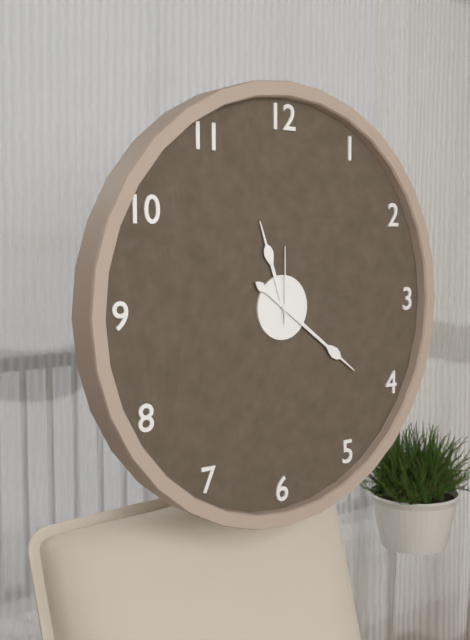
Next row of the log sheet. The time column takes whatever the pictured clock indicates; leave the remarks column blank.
11:21:00
